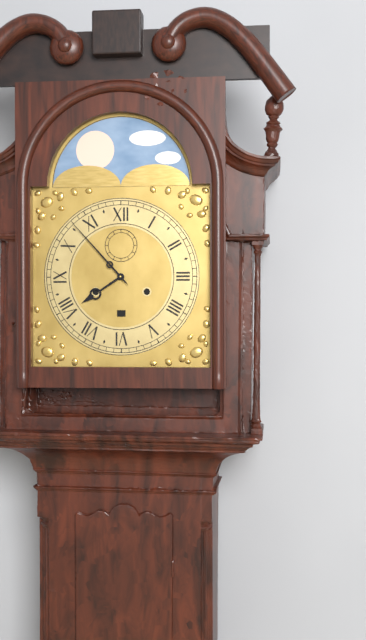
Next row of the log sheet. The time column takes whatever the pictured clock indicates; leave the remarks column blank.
7:53
